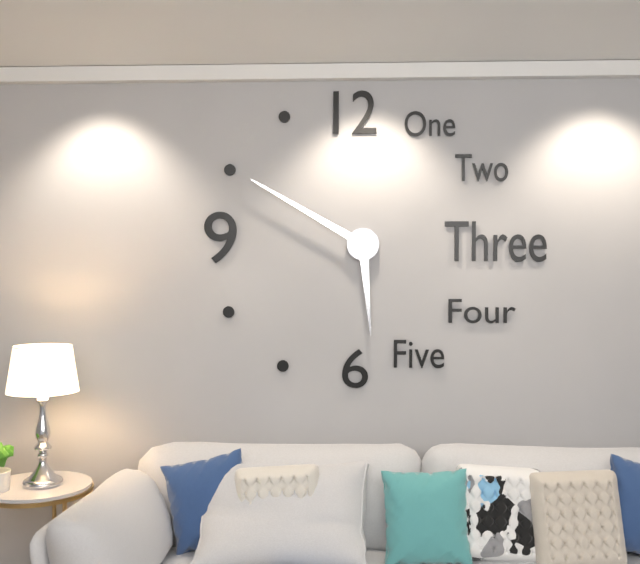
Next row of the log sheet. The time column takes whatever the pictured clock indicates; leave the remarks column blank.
5:50
